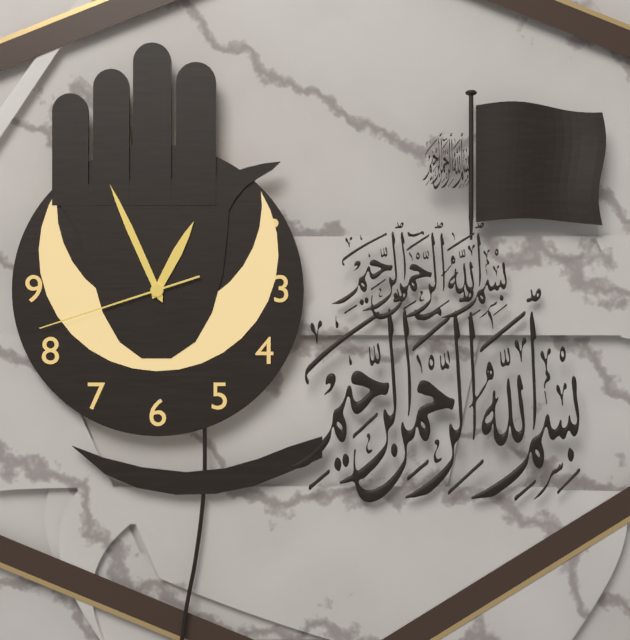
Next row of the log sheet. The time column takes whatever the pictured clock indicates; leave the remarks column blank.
12:56:42
